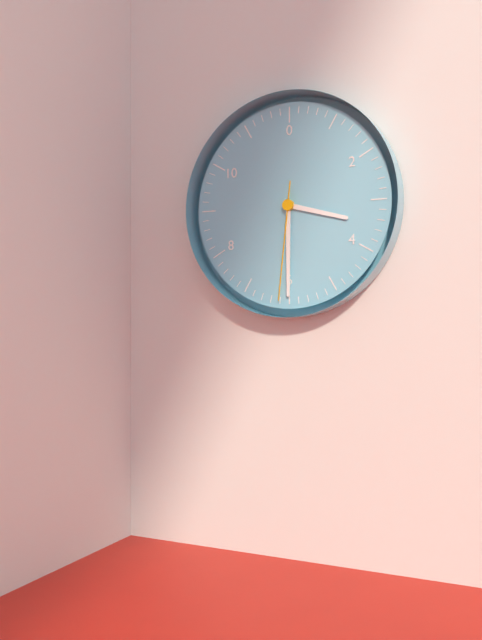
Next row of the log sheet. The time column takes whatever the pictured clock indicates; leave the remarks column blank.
3:30:31
